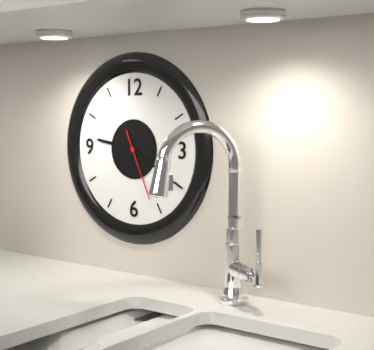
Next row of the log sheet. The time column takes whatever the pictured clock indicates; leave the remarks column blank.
9:20:26
